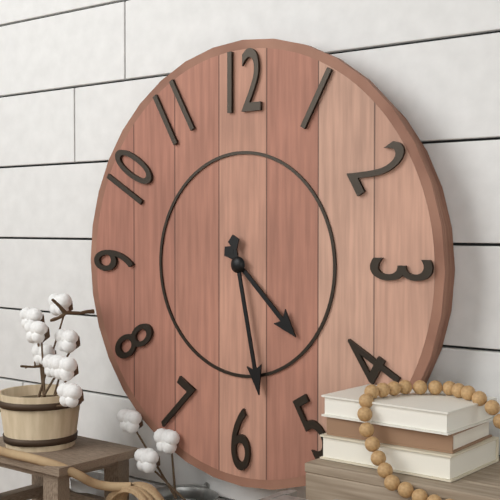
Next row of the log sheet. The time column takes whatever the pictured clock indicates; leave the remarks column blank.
4:28
